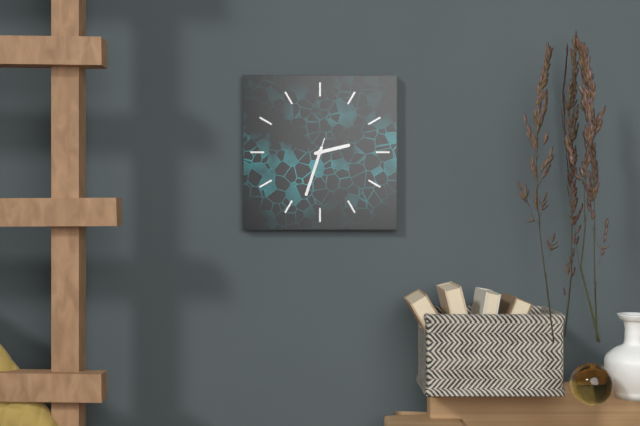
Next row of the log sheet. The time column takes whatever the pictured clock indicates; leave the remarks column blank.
2:33:33
